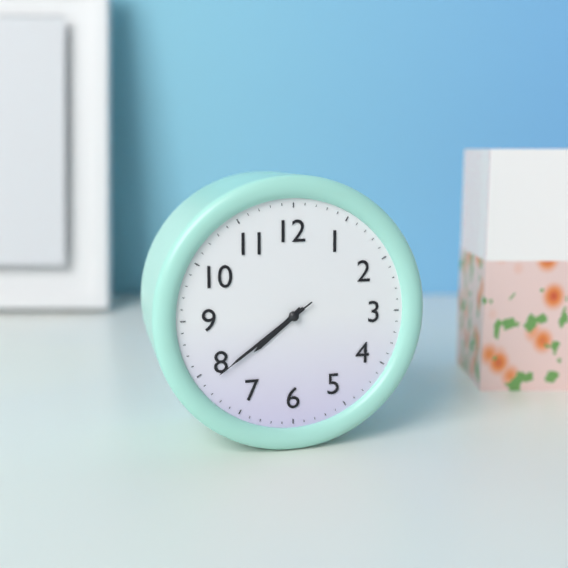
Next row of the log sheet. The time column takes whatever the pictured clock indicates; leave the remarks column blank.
7:39:39
